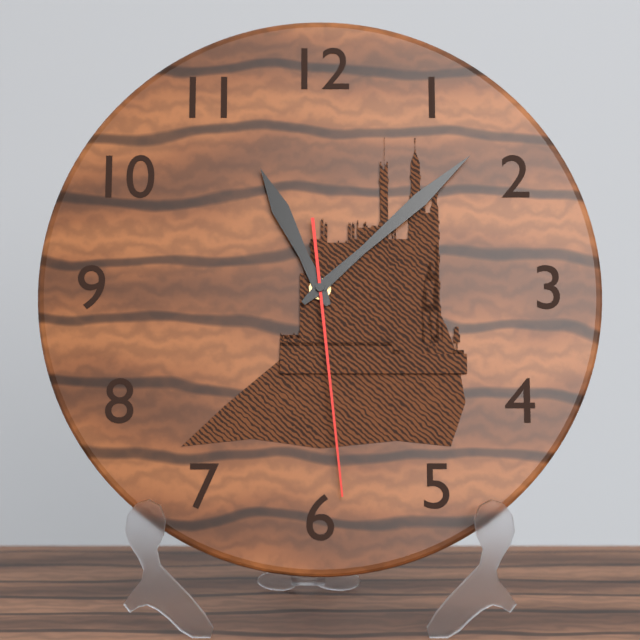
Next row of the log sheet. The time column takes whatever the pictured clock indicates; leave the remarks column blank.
11:08:29
